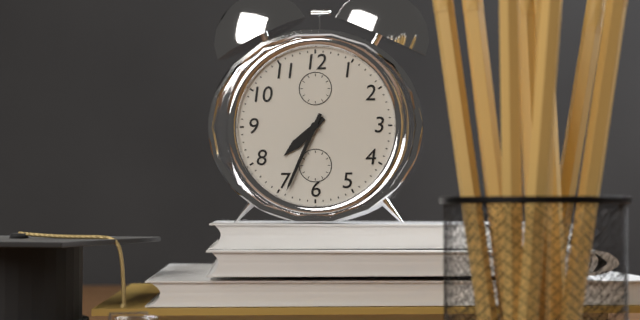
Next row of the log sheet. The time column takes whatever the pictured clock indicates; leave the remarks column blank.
7:34
